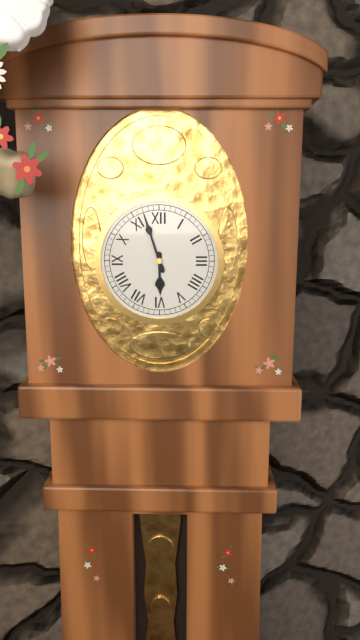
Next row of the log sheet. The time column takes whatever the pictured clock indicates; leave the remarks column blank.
5:57
